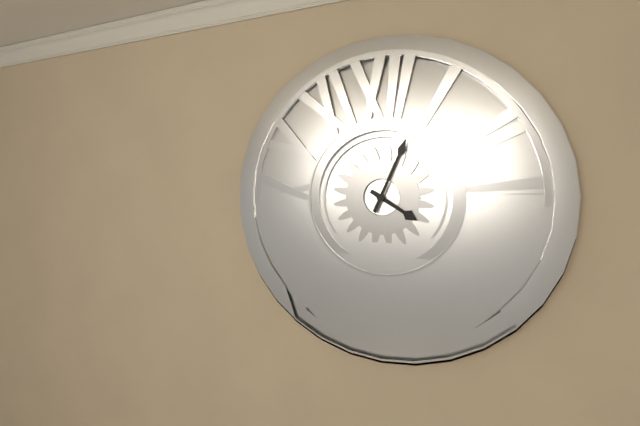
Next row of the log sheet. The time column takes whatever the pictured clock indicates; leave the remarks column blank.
4:04
